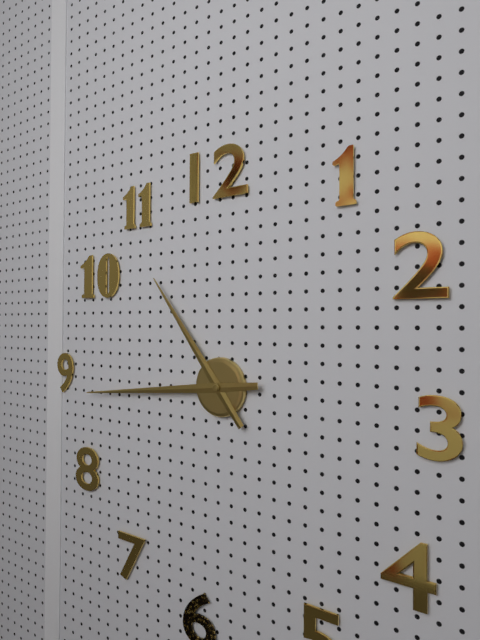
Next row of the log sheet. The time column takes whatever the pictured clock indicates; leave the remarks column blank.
10:44
